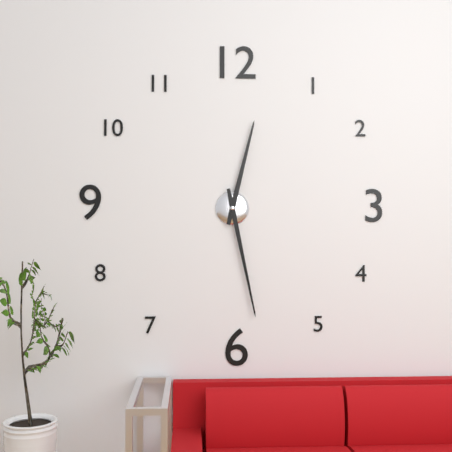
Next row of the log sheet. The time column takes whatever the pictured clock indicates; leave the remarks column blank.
12:28
